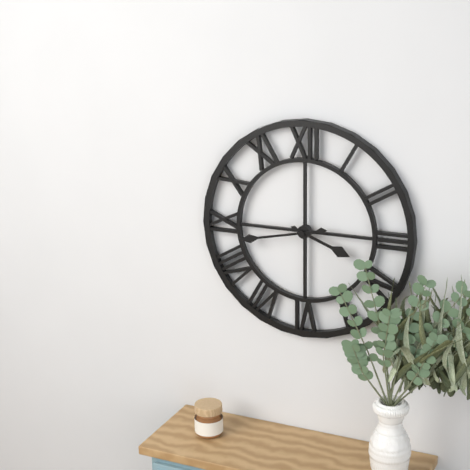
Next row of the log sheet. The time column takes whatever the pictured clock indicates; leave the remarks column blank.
3:43
